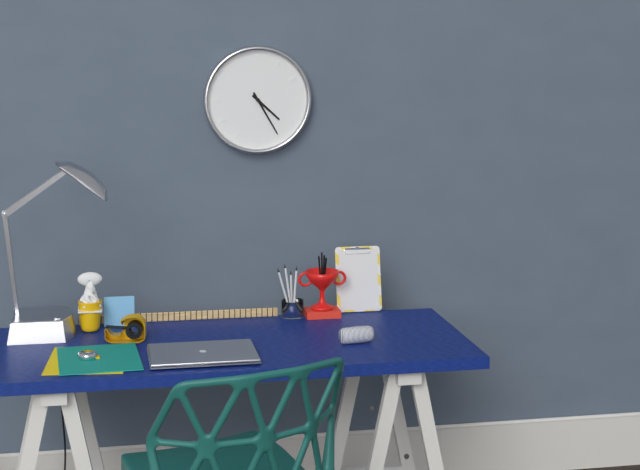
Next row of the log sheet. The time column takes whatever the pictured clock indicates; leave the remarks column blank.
4:25
